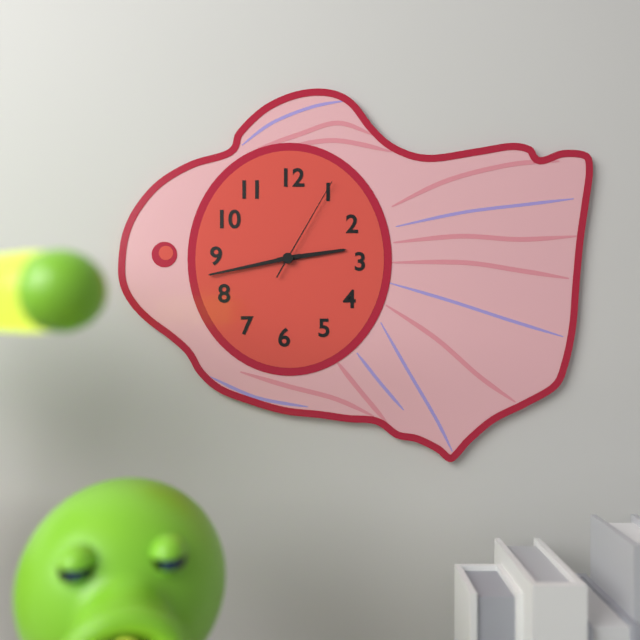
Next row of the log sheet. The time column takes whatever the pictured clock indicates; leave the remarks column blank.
2:43:05
